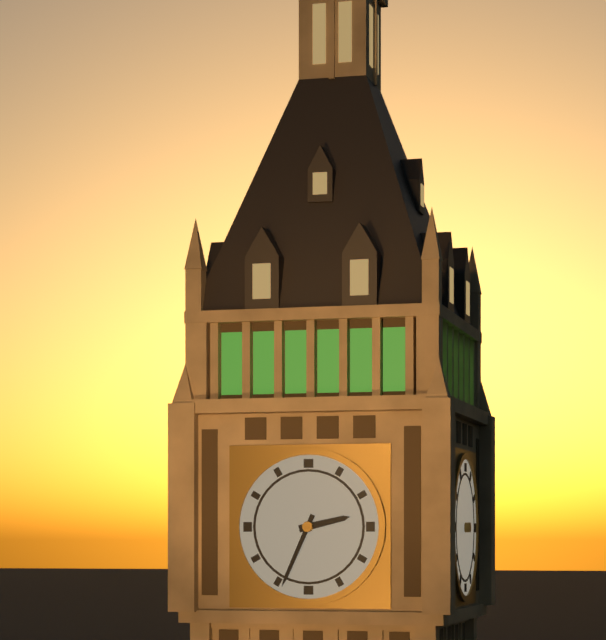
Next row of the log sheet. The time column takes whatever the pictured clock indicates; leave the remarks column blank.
2:34
